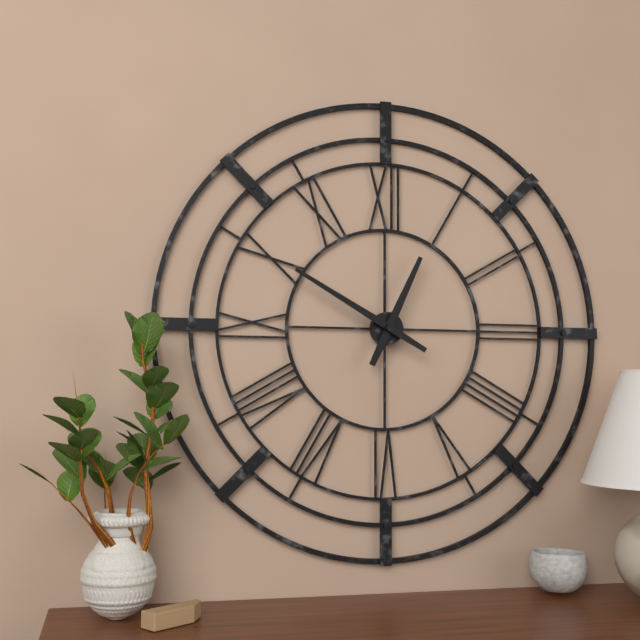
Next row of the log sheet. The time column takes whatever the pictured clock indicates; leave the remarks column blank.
12:50
